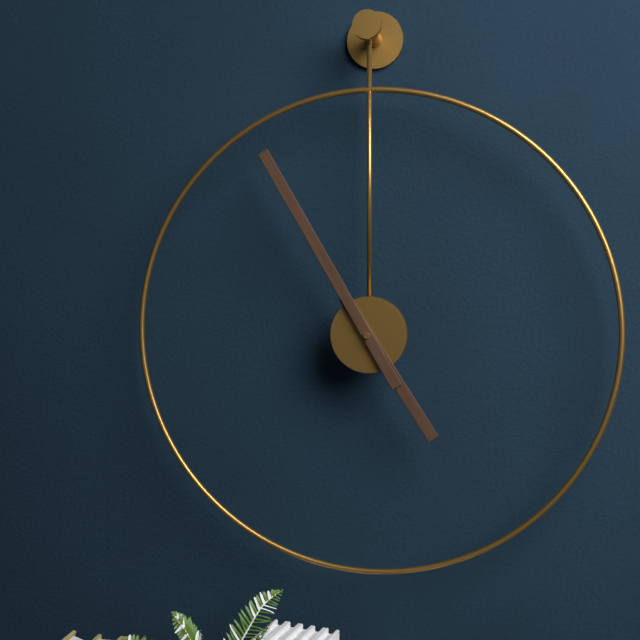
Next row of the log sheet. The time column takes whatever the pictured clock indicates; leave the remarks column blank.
4:55
